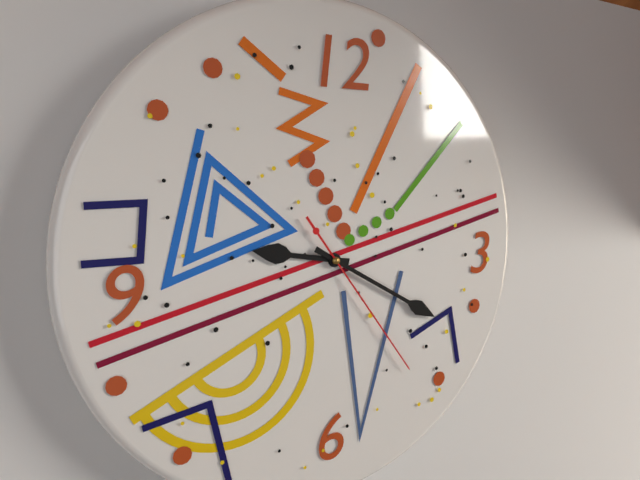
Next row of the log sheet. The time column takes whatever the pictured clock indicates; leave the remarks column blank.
9:20:24
